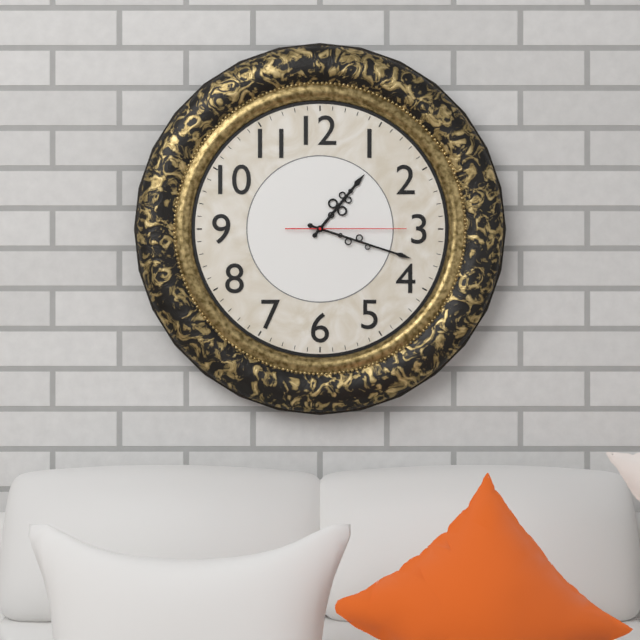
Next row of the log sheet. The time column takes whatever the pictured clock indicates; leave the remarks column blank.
1:18:15
